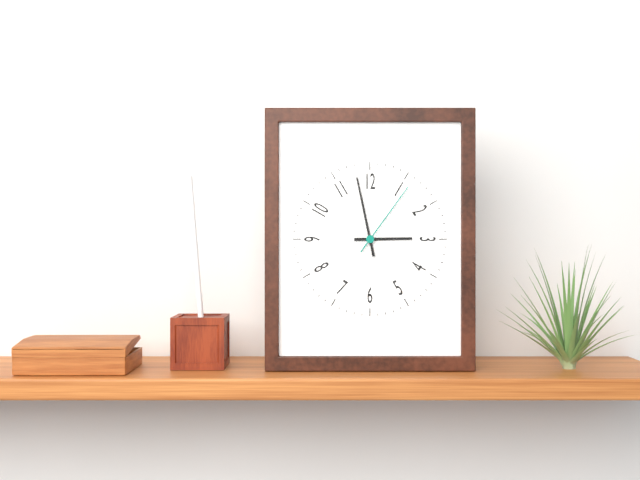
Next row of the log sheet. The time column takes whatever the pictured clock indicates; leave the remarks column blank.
2:58:06
